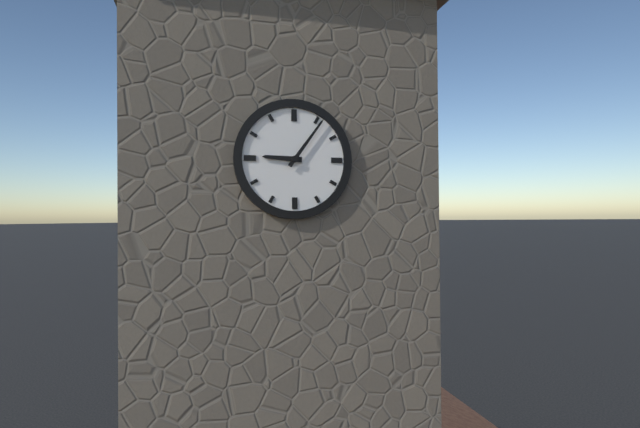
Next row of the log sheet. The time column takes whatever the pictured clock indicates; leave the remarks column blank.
9:06
